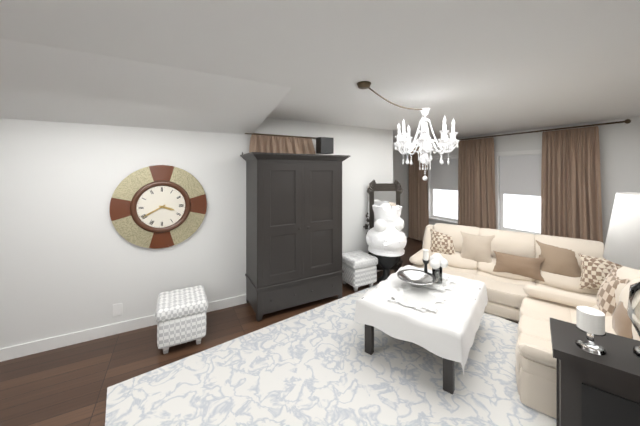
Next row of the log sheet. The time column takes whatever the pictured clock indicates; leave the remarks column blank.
3:40
